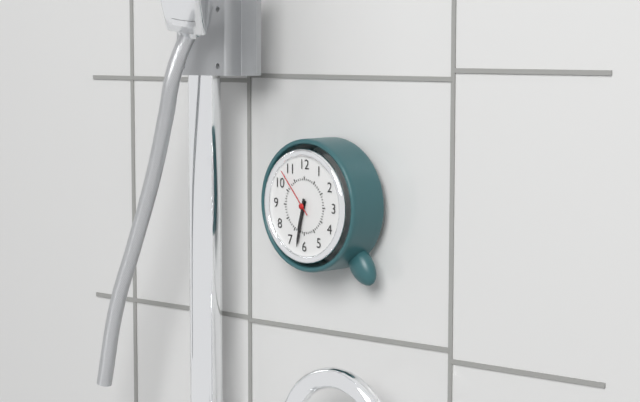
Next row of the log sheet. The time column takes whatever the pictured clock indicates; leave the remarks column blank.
6:32:53
